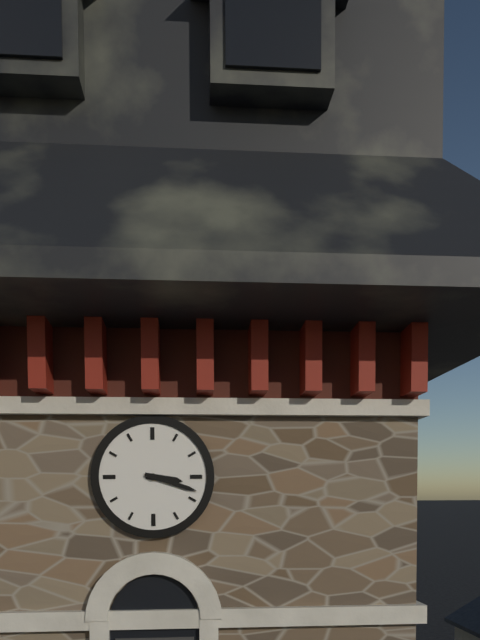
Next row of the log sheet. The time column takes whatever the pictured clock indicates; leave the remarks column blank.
3:18
